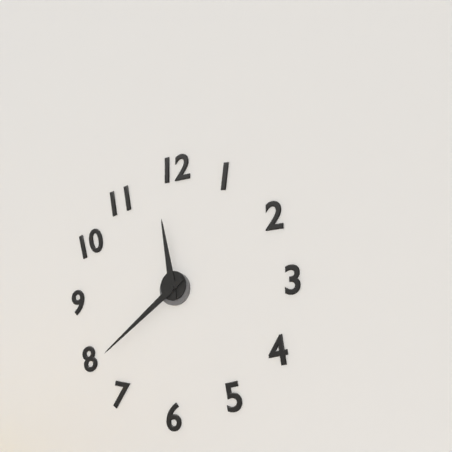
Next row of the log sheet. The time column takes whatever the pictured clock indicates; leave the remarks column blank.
11:39
